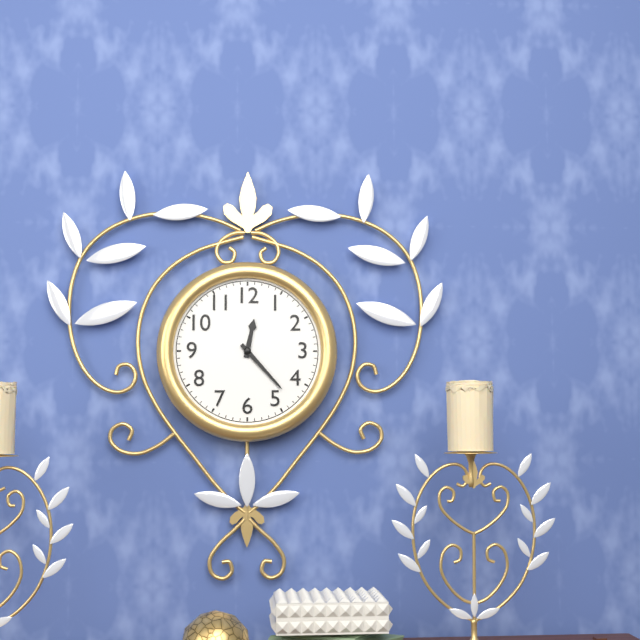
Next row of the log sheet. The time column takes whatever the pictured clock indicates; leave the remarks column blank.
12:23
